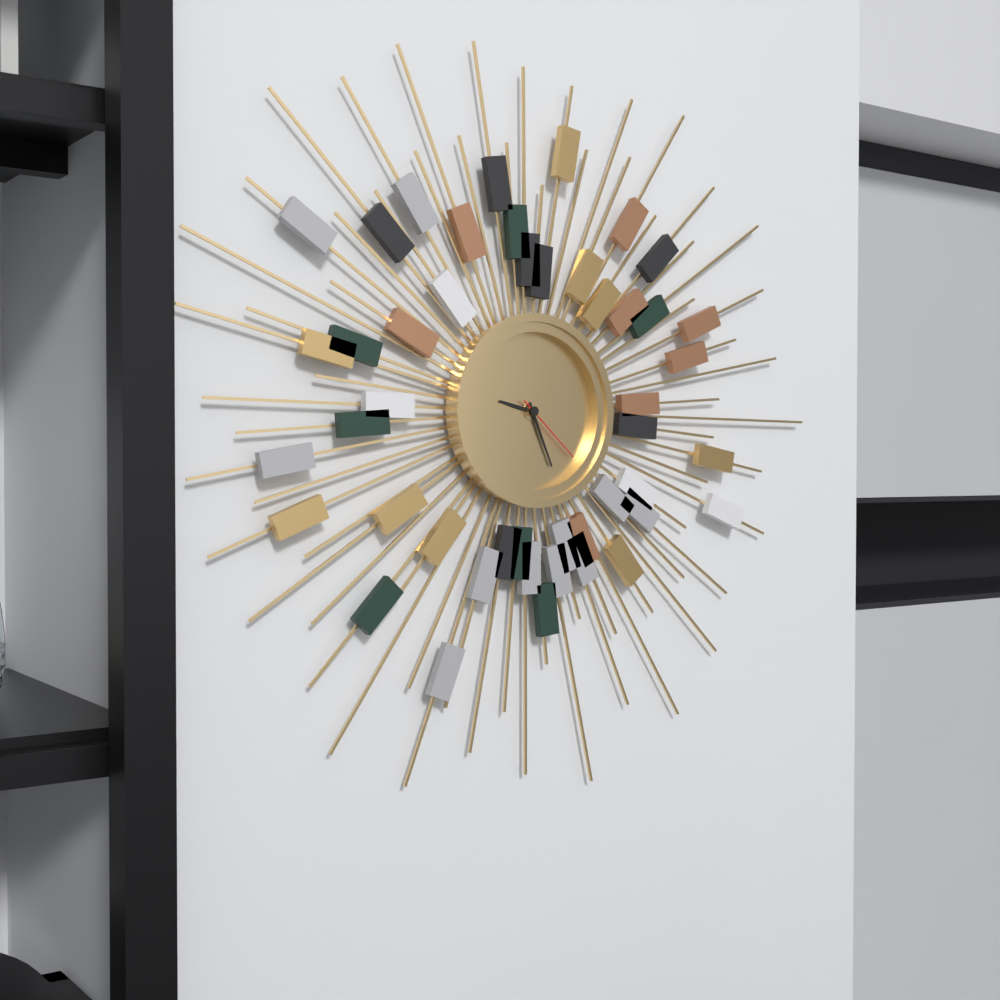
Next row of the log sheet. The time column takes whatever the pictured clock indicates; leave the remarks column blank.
9:26:22
